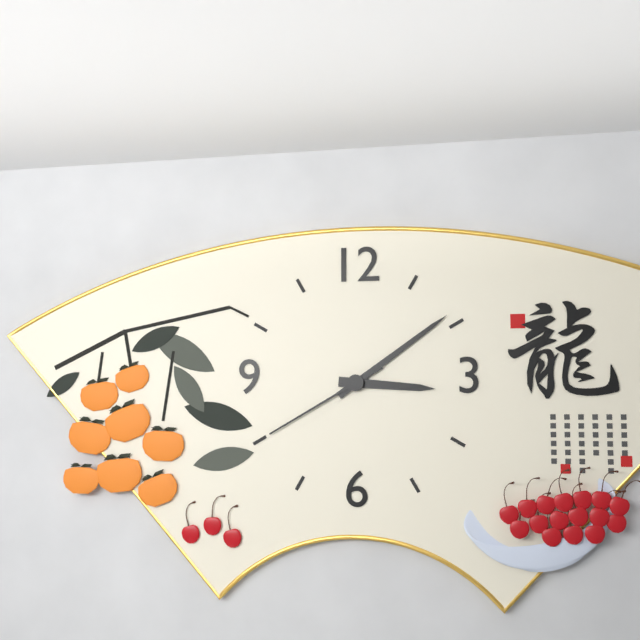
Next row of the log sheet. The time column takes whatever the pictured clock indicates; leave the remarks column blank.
3:09:40
